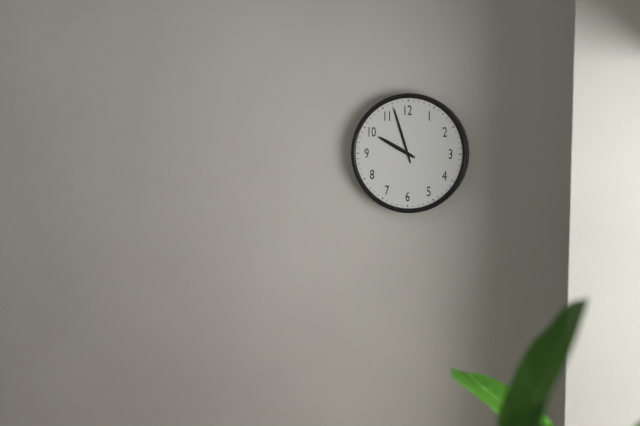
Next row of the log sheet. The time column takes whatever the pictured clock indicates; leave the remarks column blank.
9:57
